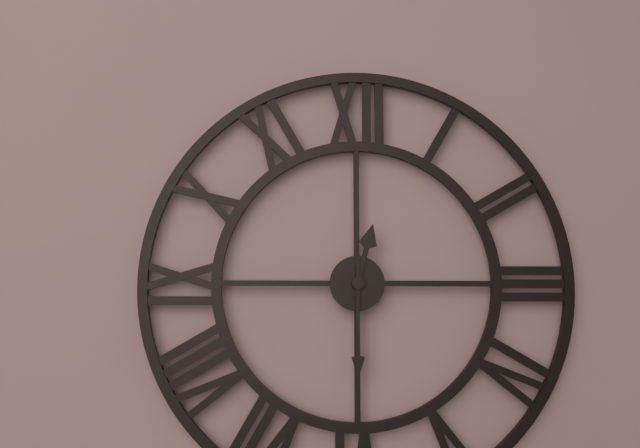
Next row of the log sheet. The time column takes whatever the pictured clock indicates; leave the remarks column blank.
12:30
